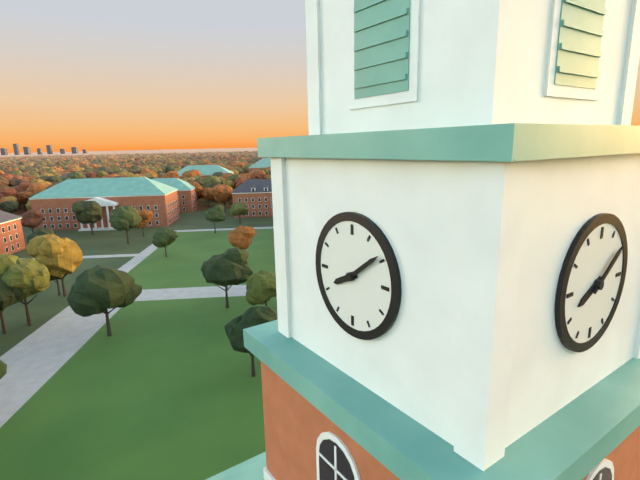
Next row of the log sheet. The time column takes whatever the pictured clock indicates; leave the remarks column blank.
8:09
